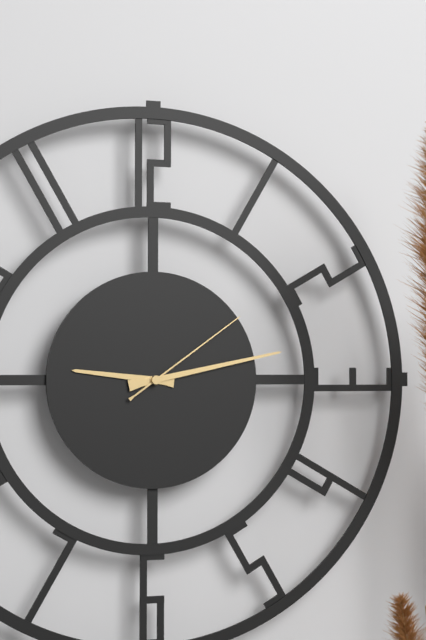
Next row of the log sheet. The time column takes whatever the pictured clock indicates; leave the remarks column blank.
9:13:09
